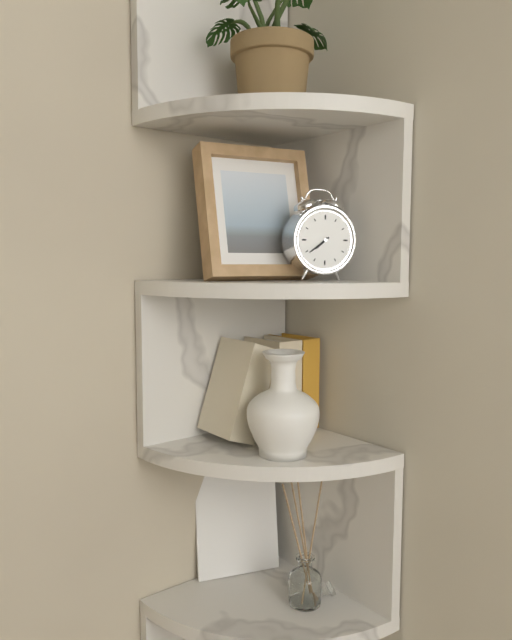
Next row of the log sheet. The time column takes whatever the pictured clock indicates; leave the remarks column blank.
7:39
